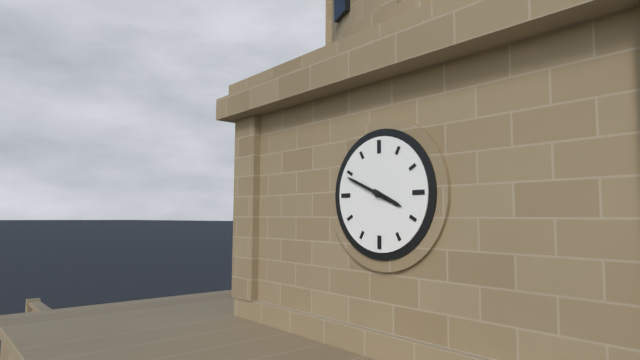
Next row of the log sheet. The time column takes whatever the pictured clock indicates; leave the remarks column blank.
3:49
